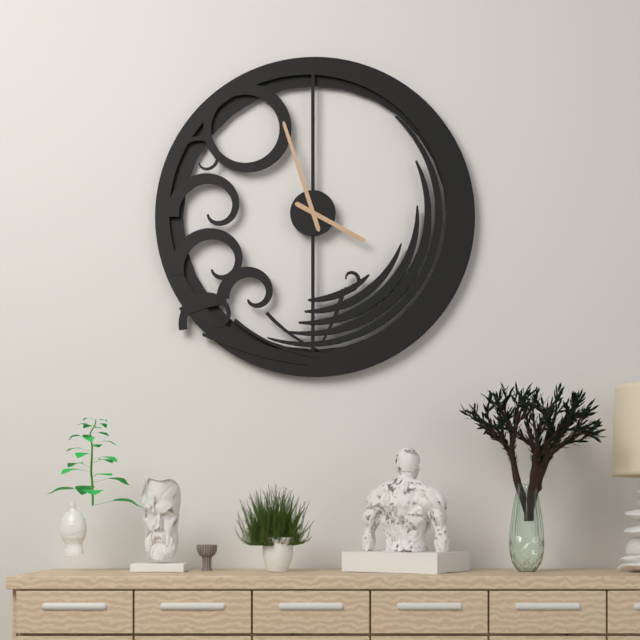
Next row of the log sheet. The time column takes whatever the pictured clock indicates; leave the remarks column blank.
3:57
